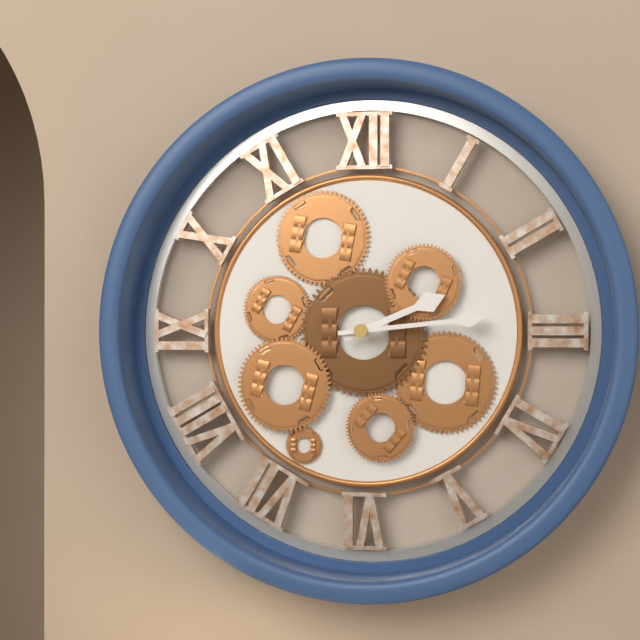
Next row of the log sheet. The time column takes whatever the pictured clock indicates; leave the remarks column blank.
2:14
